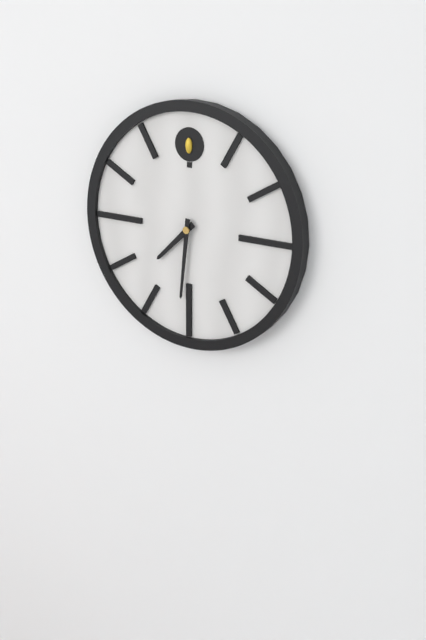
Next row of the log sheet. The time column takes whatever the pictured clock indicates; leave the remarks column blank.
7:31
